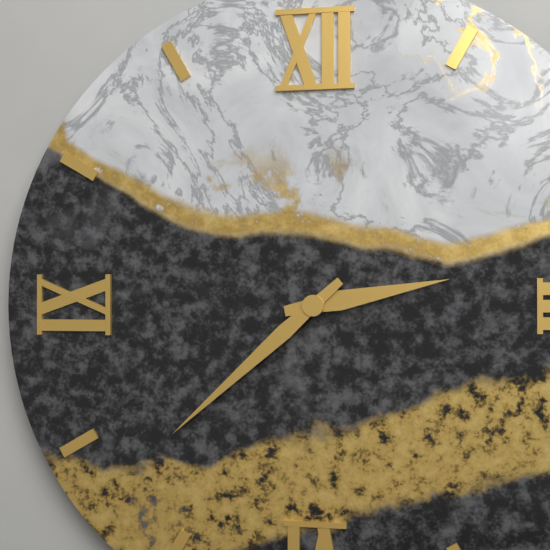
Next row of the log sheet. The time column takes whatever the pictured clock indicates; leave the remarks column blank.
2:38
